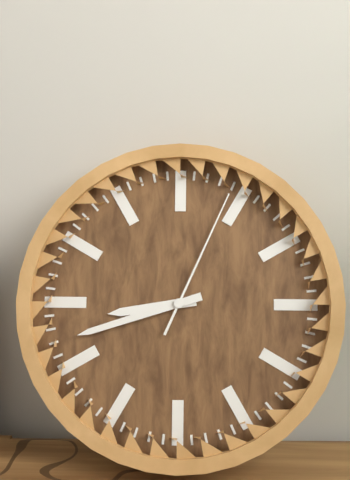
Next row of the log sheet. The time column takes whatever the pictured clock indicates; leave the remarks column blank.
8:42:04
